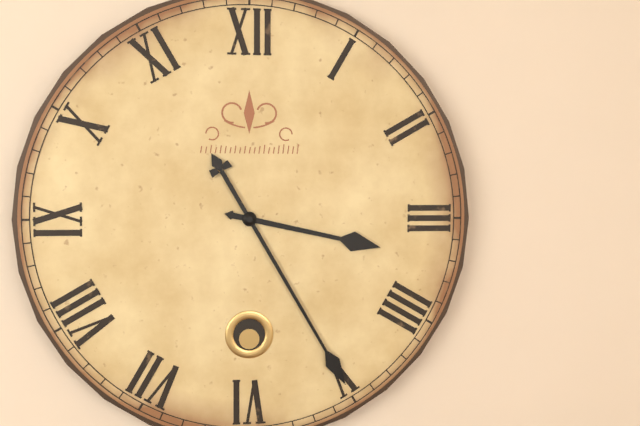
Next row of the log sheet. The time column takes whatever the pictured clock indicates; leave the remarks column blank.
3:25
